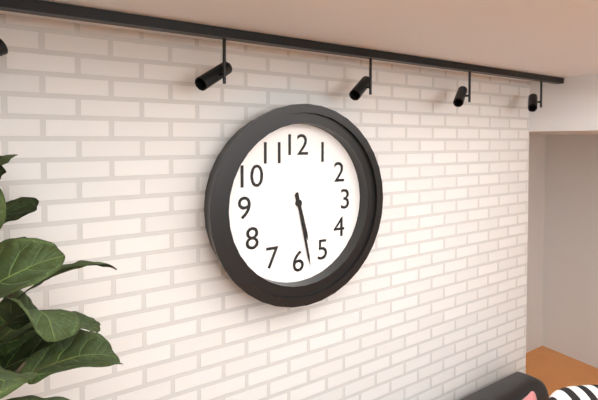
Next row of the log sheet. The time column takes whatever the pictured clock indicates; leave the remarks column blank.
5:28
